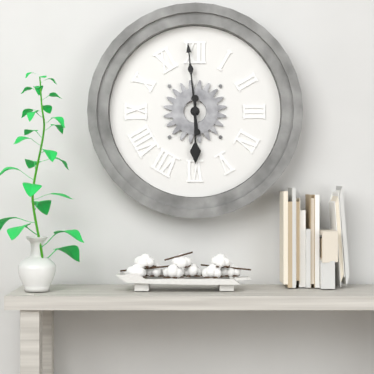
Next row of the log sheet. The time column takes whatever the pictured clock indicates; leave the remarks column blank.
5:59
